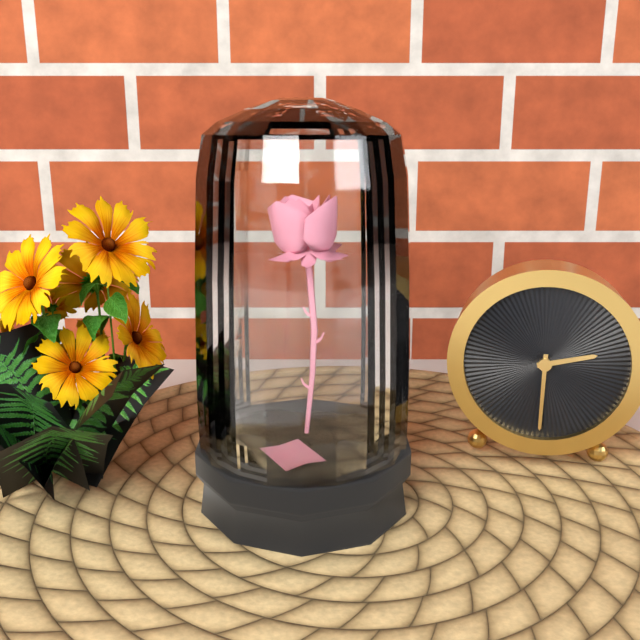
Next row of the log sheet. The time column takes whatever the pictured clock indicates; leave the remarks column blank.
2:30
